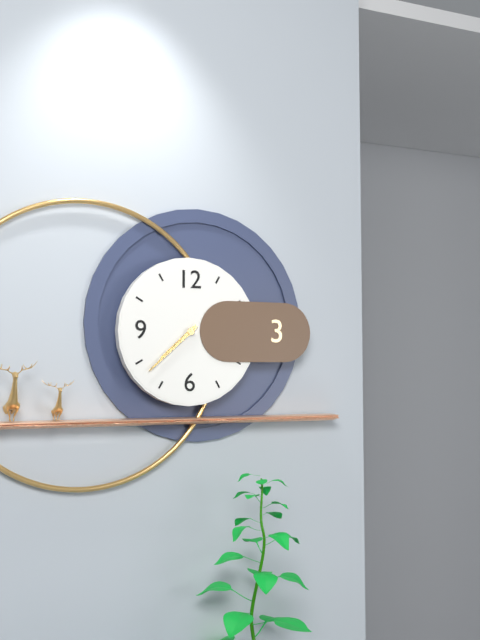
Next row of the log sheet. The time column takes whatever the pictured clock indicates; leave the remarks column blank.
7:38
